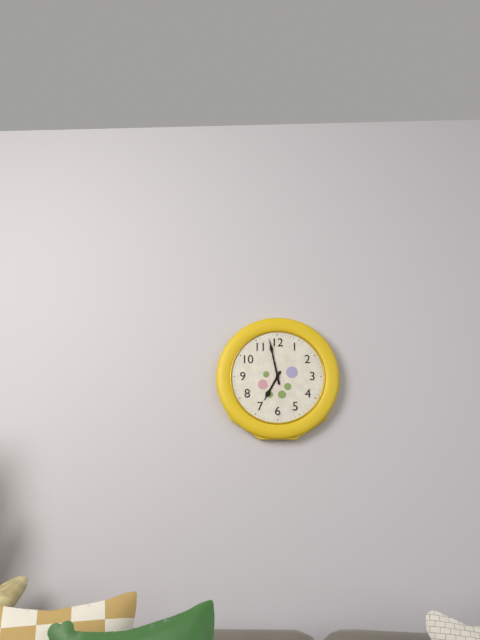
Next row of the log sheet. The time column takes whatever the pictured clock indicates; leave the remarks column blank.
6:58
